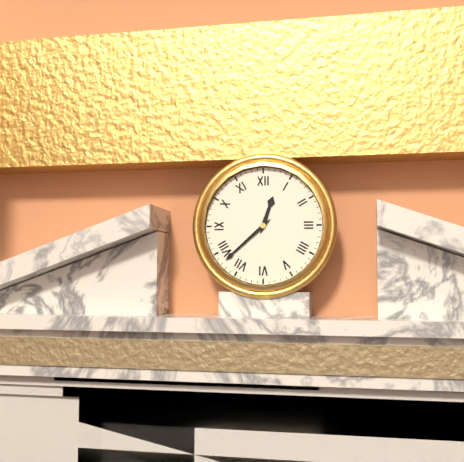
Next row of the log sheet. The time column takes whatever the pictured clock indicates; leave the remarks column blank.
12:38
